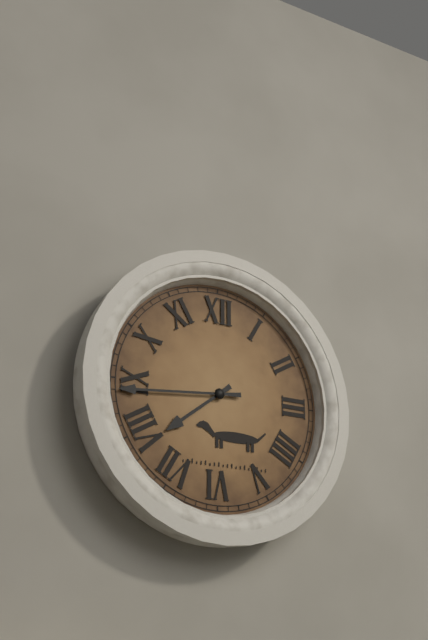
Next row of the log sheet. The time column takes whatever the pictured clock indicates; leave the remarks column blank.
7:44
